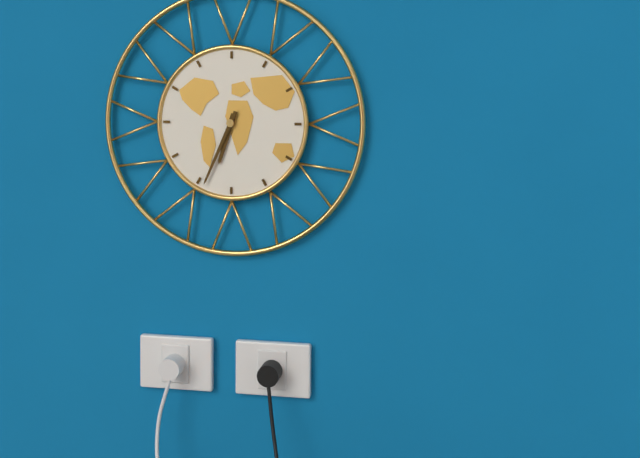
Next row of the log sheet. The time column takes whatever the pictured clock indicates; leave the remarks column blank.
6:34
